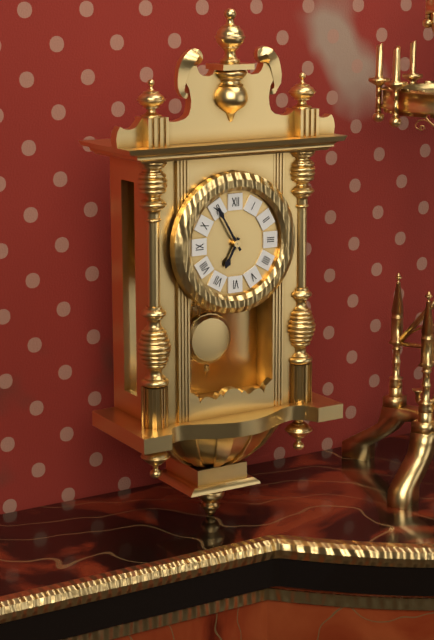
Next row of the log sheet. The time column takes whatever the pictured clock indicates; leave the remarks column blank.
6:55
